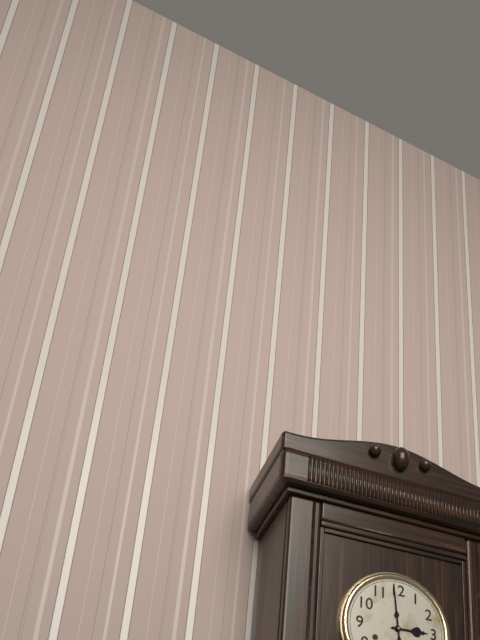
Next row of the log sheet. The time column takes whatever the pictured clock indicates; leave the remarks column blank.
2:59
